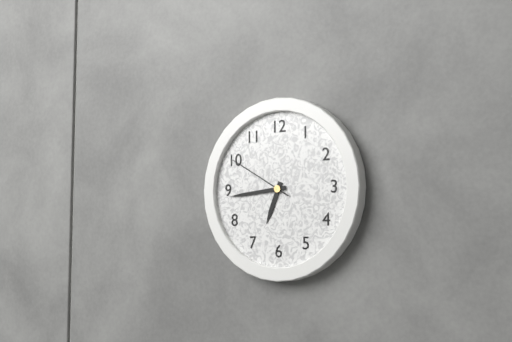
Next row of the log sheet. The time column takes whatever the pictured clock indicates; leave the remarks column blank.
6:44:50
